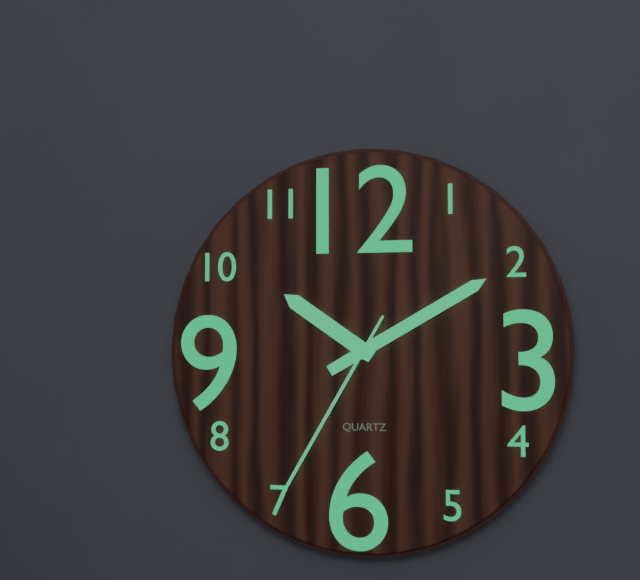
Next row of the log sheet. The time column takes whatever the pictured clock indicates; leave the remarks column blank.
10:10:35
